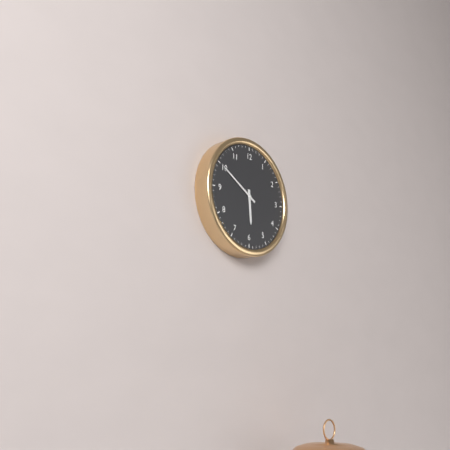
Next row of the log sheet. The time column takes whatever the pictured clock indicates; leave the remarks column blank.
5:50
